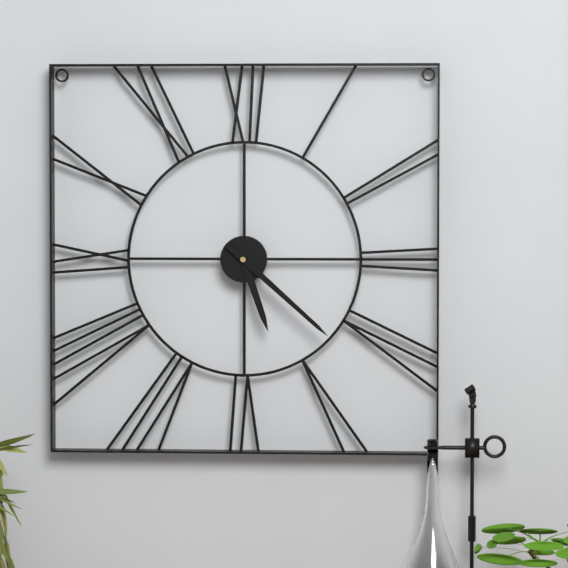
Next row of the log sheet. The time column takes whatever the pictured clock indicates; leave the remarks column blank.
5:22
